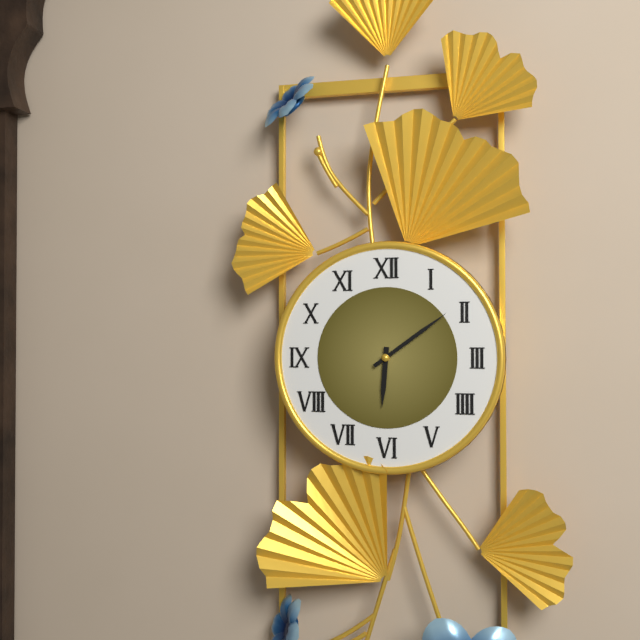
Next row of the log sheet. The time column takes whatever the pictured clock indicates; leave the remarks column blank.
6:09
